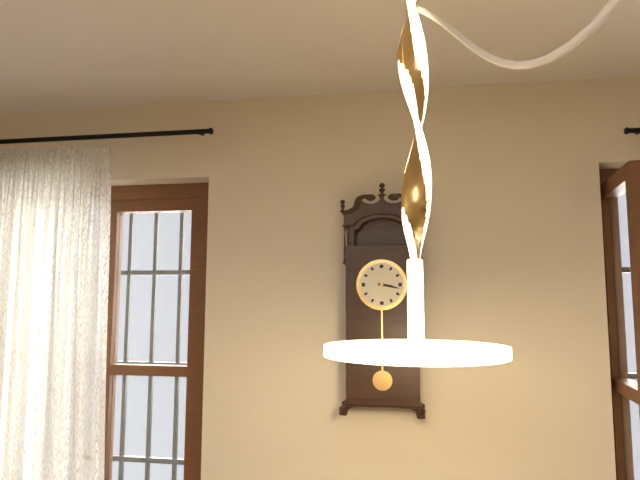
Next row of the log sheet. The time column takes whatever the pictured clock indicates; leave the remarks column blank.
3:17
